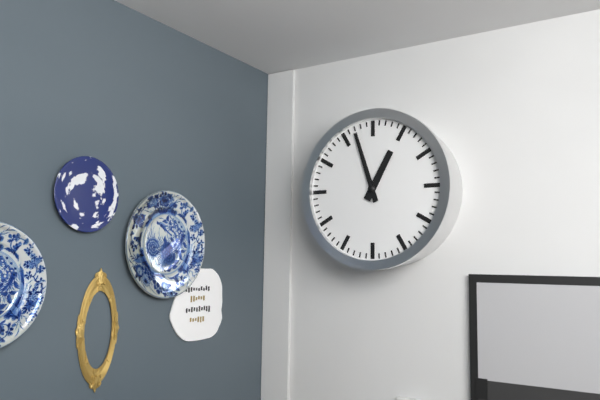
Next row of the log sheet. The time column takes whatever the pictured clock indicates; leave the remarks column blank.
12:57
